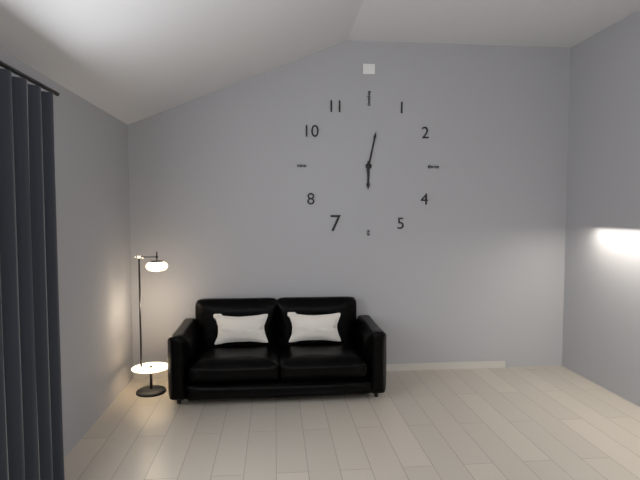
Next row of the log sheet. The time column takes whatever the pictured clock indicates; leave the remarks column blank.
6:02
